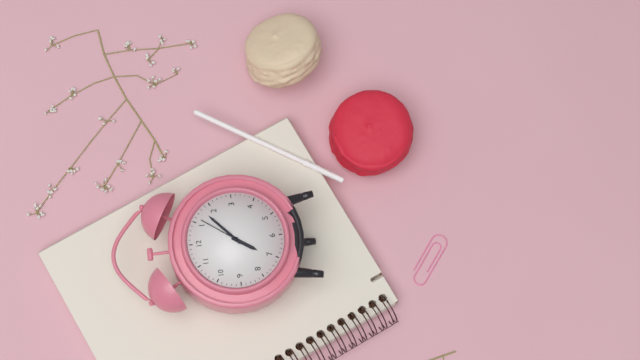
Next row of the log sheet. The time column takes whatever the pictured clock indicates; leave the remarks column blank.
7:08:06
